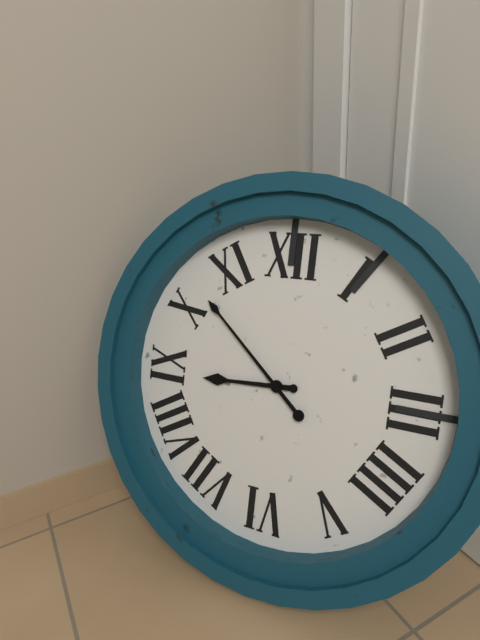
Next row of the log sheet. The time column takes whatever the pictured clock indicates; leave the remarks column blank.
8:52
